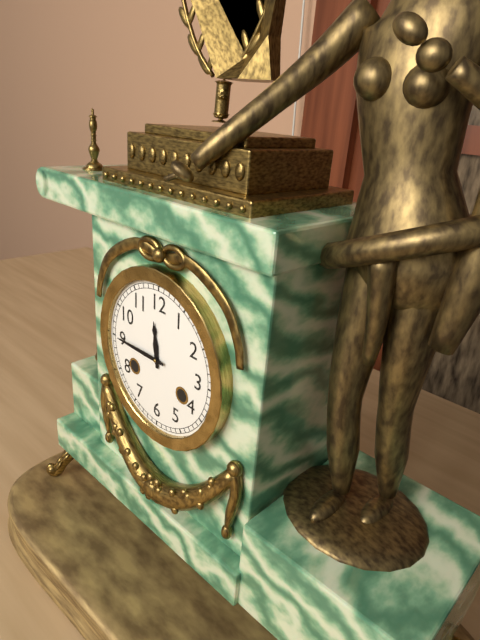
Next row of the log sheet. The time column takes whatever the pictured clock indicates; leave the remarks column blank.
11:45
